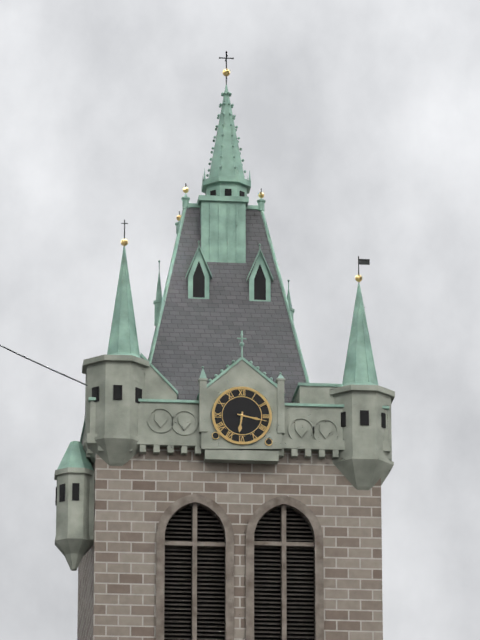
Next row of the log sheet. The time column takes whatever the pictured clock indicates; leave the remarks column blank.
6:17
